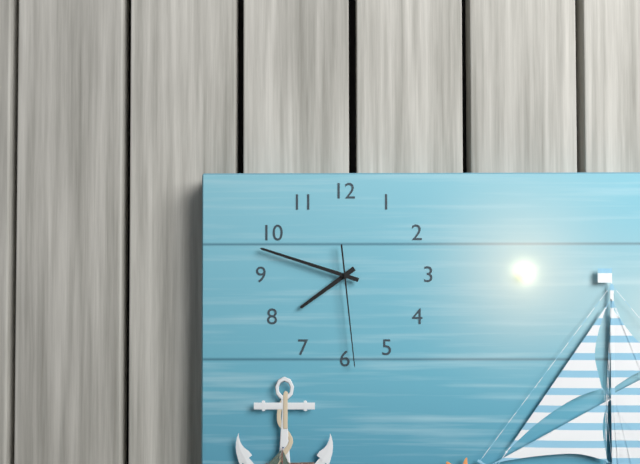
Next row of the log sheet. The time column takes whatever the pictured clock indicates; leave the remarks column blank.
7:48:29
